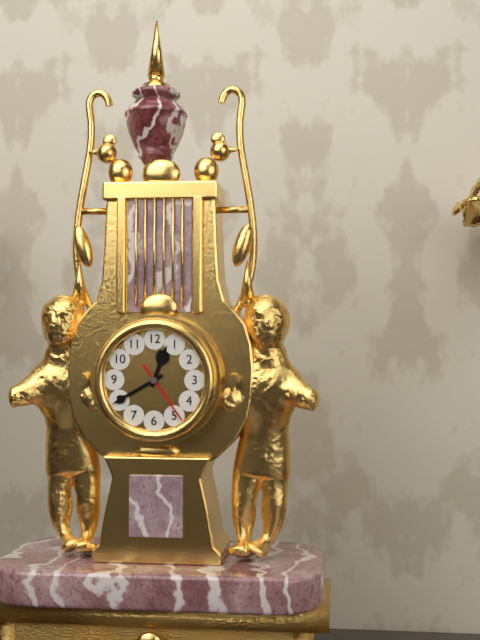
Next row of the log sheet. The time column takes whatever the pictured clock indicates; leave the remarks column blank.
12:40:24
